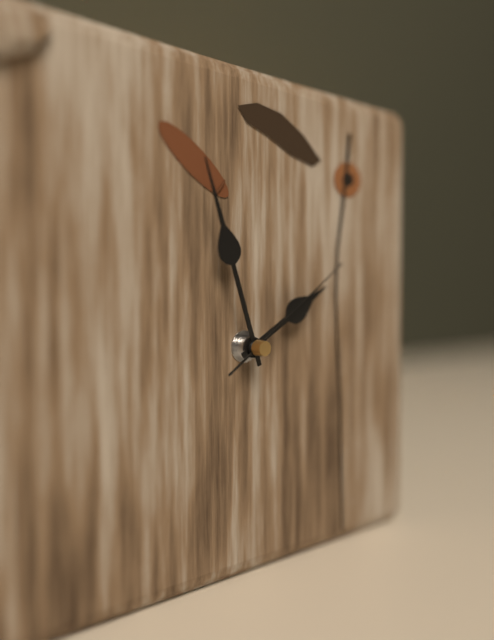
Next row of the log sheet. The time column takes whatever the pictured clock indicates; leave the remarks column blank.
1:57:09
